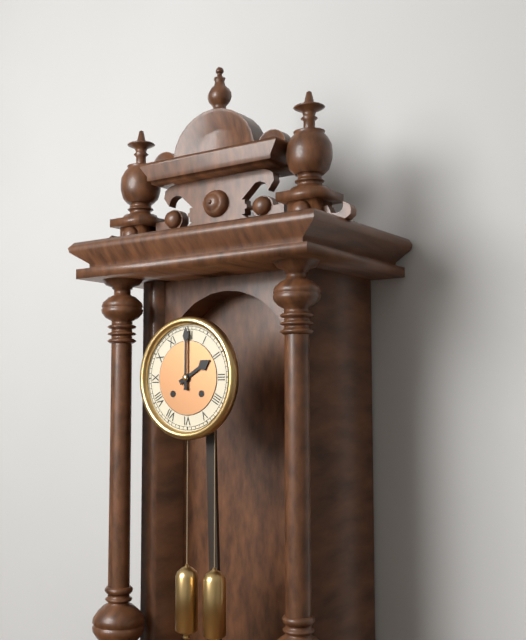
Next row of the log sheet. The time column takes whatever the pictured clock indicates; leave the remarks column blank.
2:00
